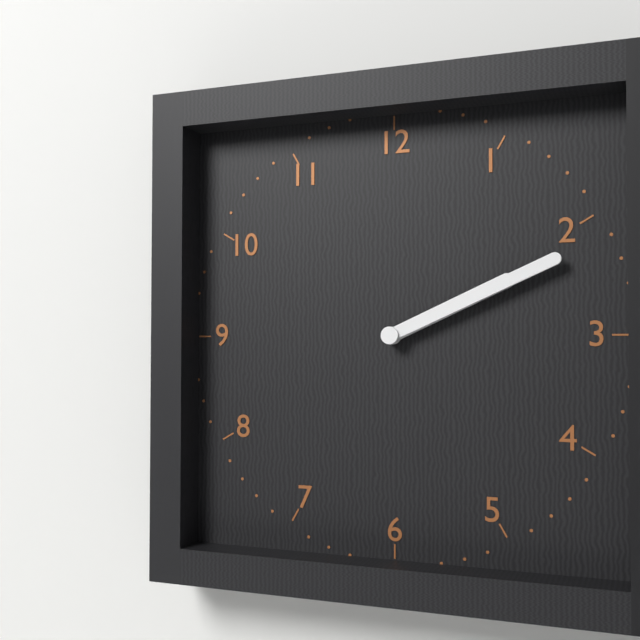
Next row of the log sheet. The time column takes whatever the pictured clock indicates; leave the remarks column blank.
2:11
